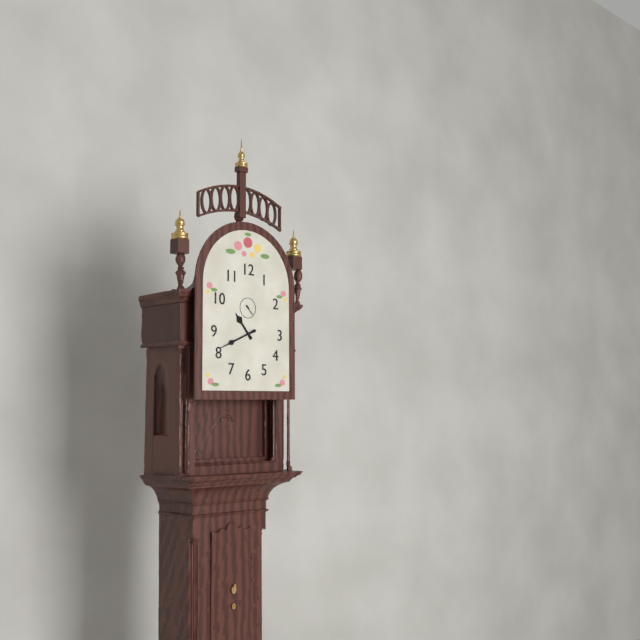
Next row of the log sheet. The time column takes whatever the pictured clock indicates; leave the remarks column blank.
10:41
